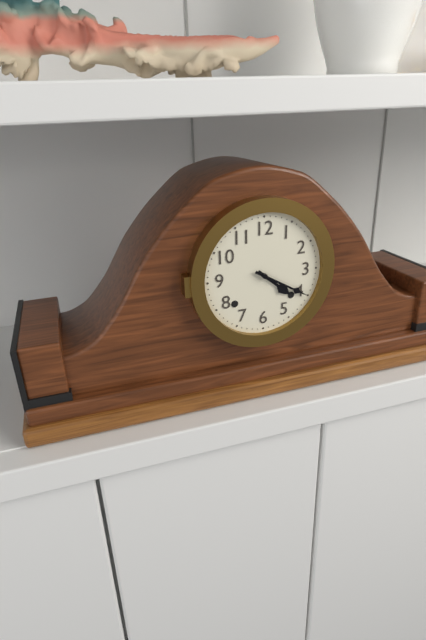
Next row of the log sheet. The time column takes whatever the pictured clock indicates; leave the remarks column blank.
4:20
